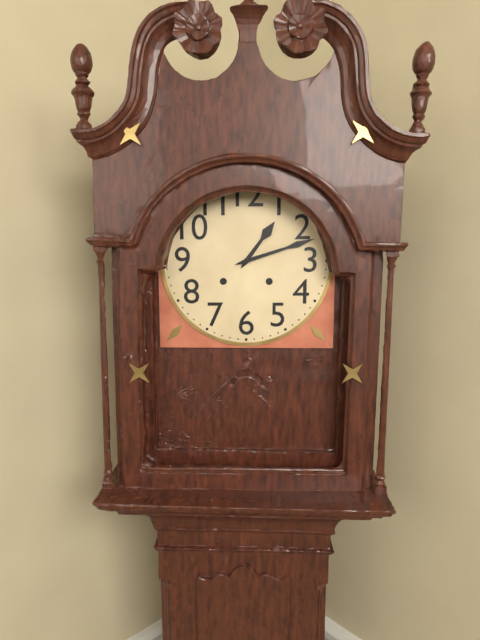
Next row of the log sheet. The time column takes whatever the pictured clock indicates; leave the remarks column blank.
1:12
